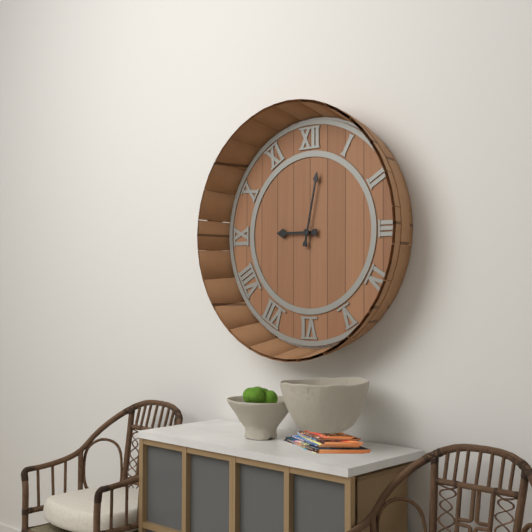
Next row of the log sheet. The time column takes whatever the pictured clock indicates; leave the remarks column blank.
9:02
